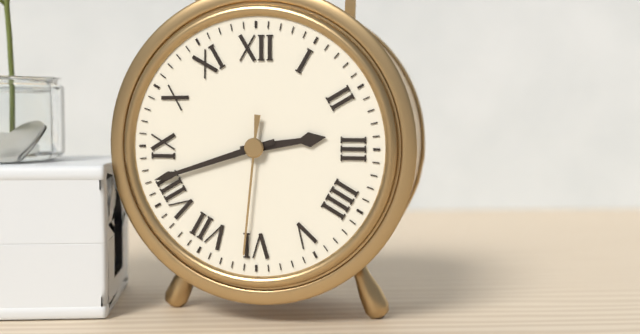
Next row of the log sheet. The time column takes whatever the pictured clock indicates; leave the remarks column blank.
2:42:31
